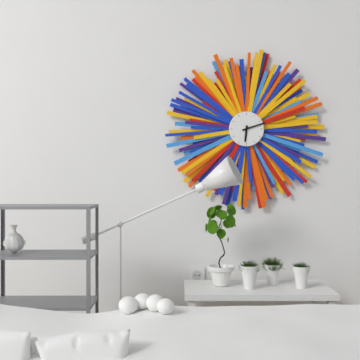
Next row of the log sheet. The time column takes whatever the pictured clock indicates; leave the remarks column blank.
6:12
